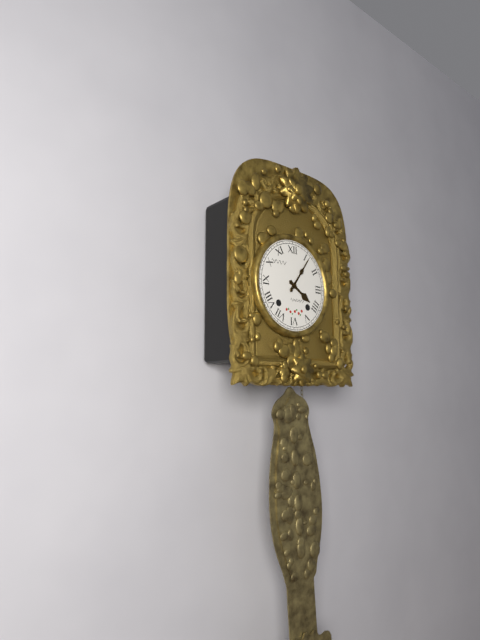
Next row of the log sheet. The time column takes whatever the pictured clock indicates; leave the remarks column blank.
4:06
